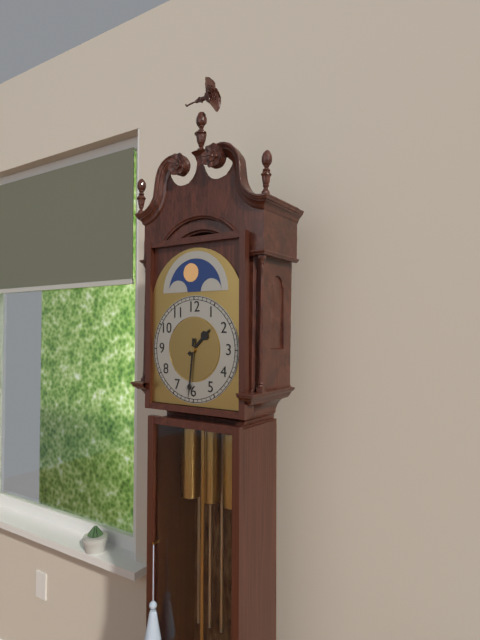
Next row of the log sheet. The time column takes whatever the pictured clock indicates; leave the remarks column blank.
1:31
